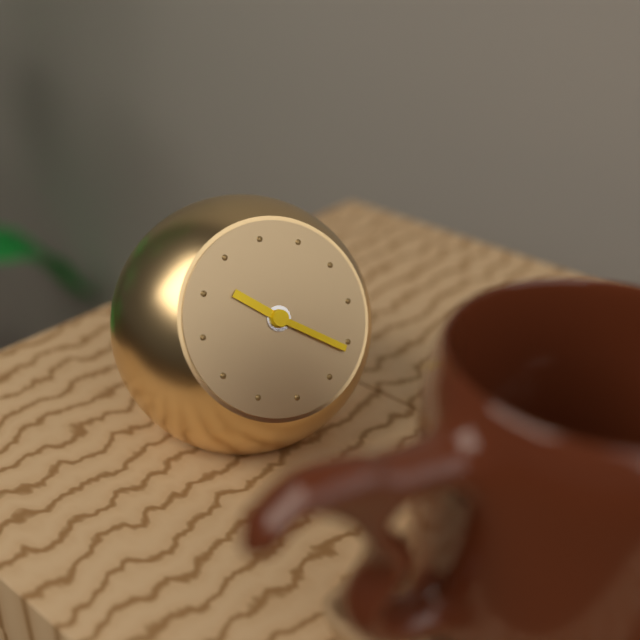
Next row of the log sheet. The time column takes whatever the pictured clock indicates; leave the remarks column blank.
10:21
